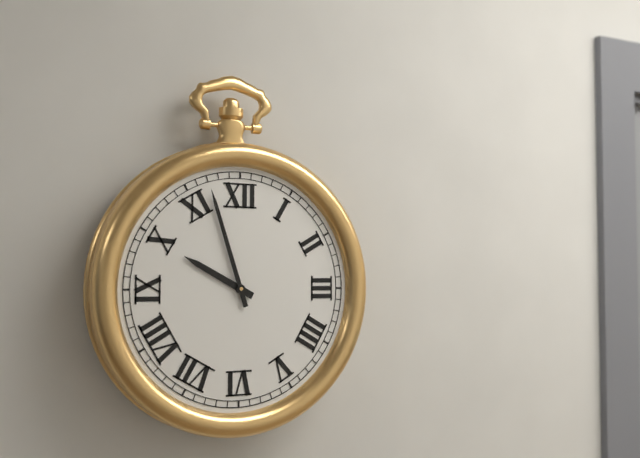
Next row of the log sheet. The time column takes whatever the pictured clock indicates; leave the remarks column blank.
9:57
